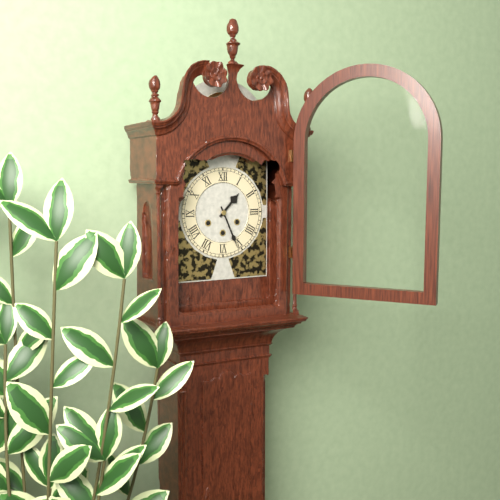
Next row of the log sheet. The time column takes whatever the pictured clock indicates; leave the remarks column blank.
1:26
